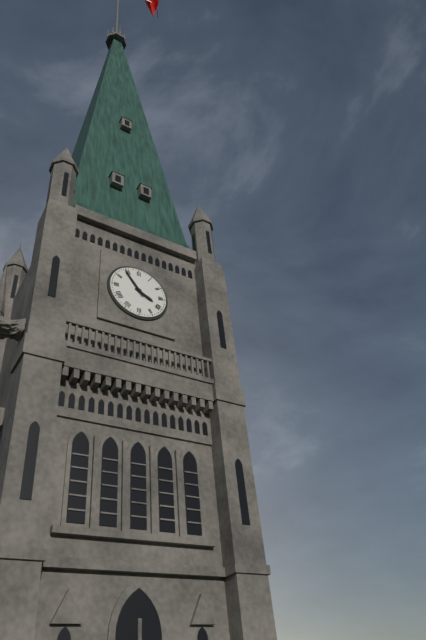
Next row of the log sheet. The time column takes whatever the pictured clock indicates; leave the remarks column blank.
3:54
